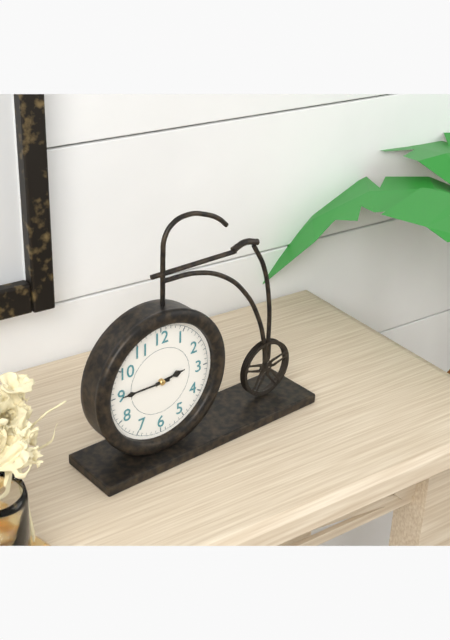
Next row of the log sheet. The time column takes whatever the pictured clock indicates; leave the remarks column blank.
2:45
